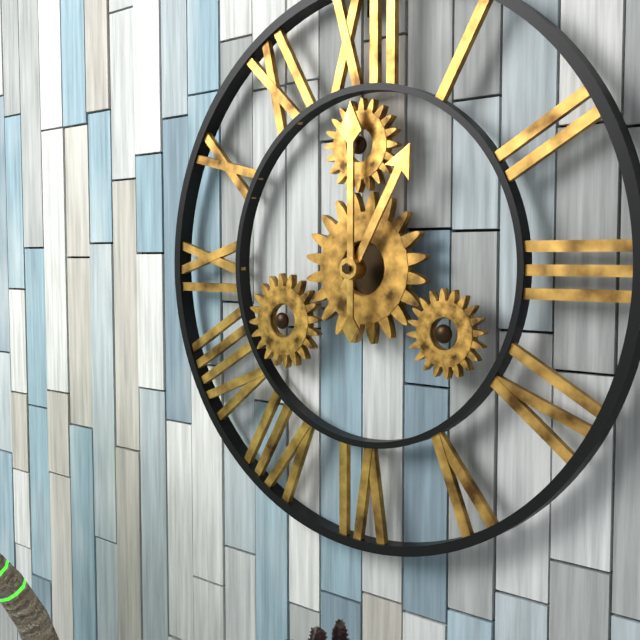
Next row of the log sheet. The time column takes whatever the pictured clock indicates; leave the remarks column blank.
1:00
